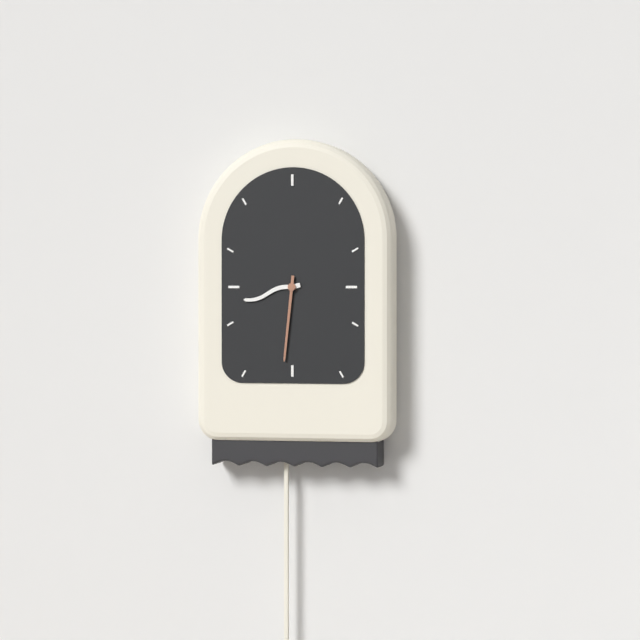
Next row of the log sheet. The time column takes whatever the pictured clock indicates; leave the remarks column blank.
8:31
